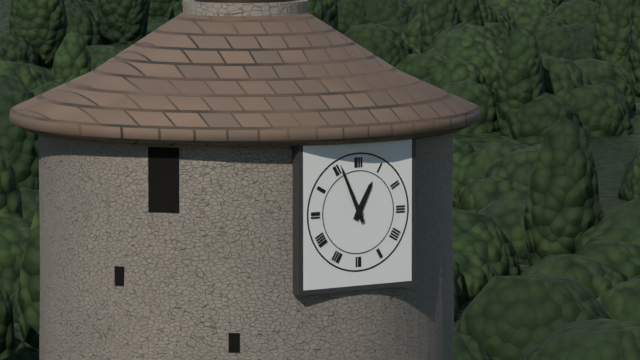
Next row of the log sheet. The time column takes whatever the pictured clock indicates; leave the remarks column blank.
12:56
